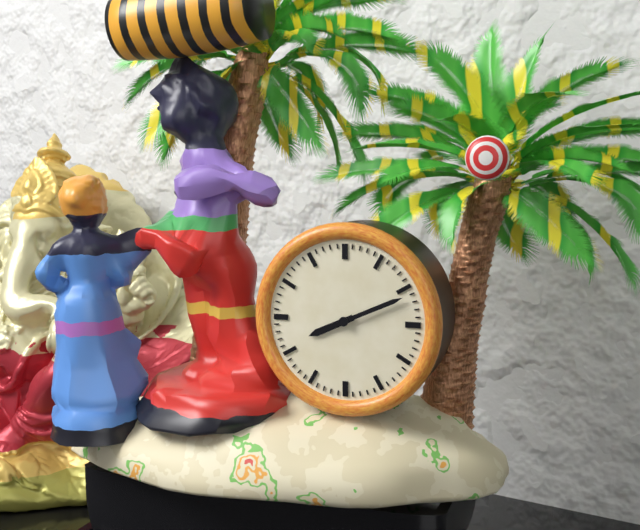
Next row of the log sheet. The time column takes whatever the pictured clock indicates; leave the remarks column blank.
8:11
